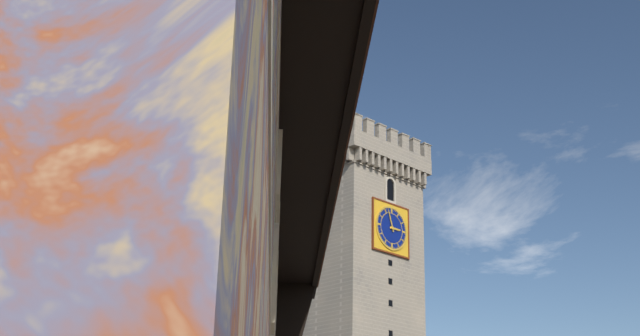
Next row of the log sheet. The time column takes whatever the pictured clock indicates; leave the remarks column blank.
2:57
